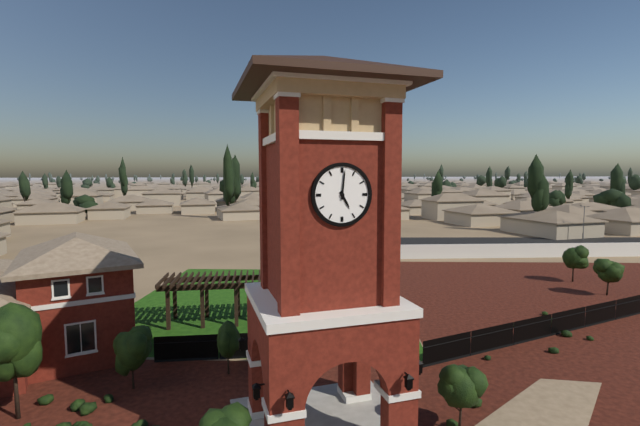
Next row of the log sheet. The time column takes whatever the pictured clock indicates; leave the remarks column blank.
5:01
